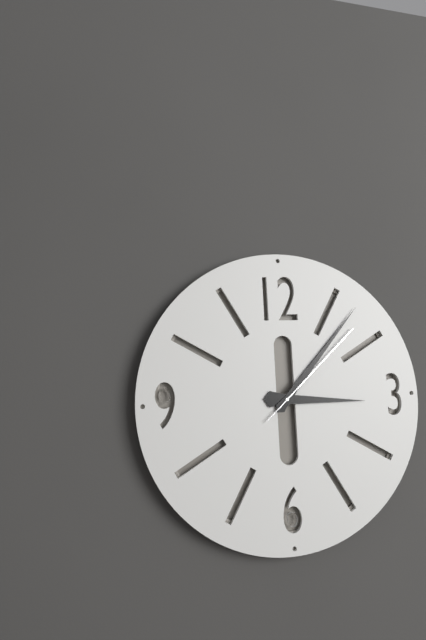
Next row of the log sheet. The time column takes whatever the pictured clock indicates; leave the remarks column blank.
3:07:08
